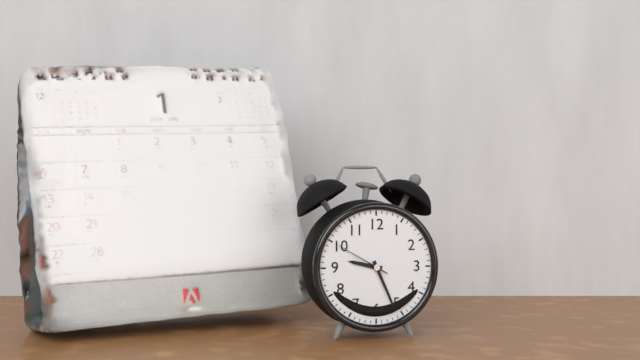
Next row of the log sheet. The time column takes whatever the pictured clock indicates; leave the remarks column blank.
9:26:50
